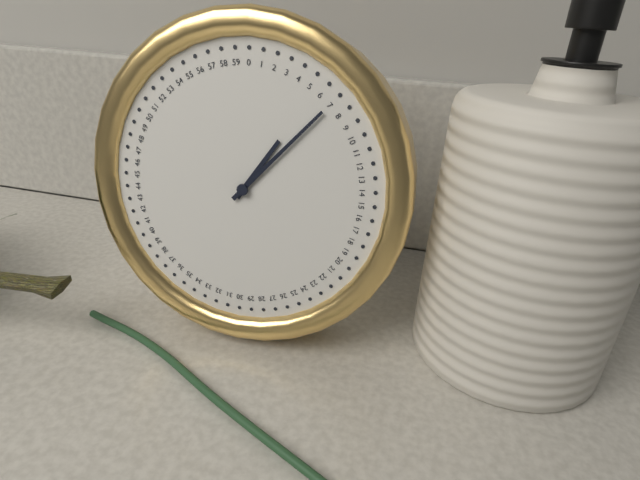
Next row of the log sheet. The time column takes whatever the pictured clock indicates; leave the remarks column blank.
1:07
